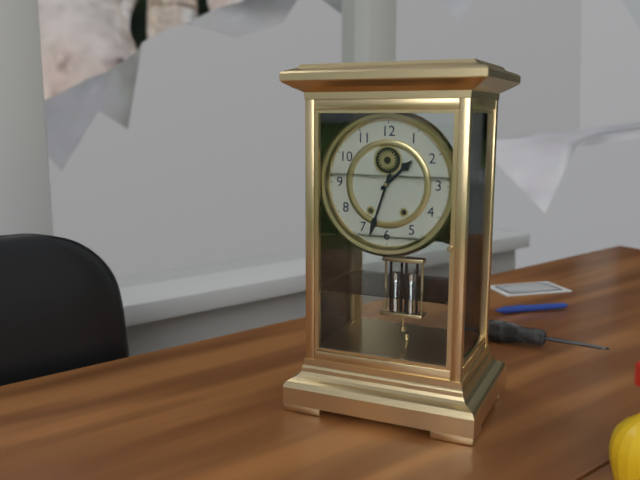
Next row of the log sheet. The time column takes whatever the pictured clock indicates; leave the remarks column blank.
1:33
